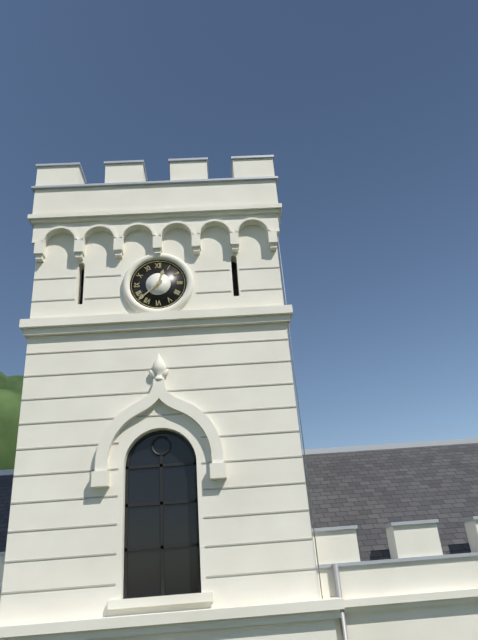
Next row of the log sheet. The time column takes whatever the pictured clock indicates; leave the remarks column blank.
12:38
